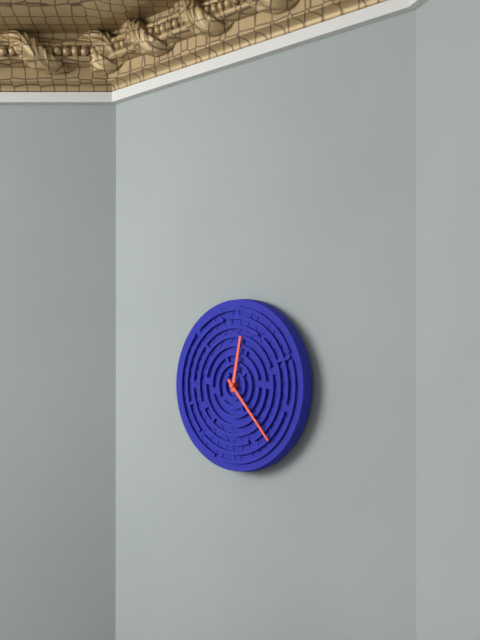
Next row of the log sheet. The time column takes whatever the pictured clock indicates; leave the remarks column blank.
12:23
